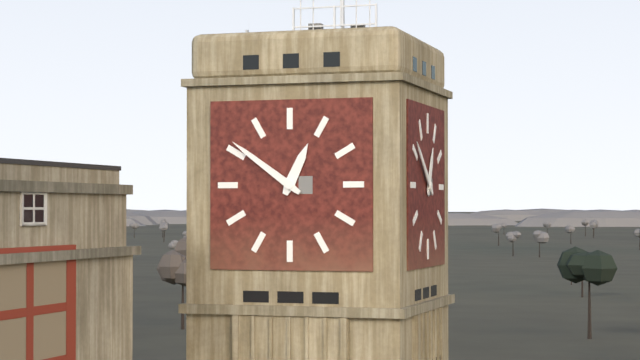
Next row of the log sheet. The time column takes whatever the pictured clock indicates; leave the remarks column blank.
12:51
